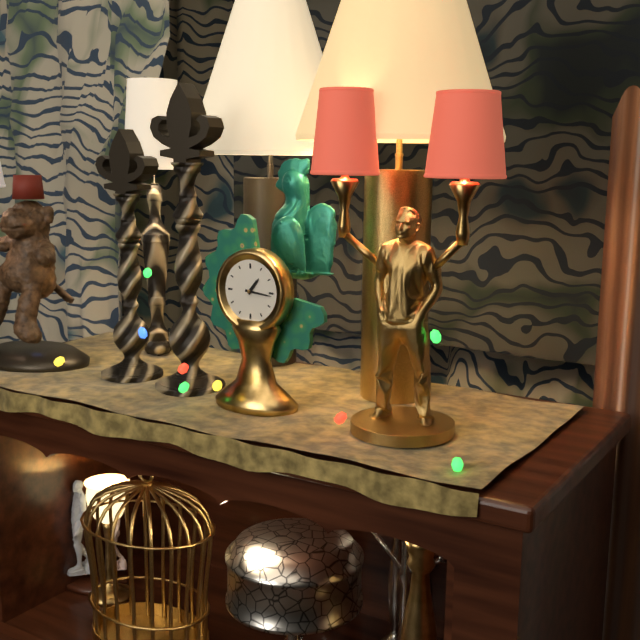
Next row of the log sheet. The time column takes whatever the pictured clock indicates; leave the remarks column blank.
1:16
